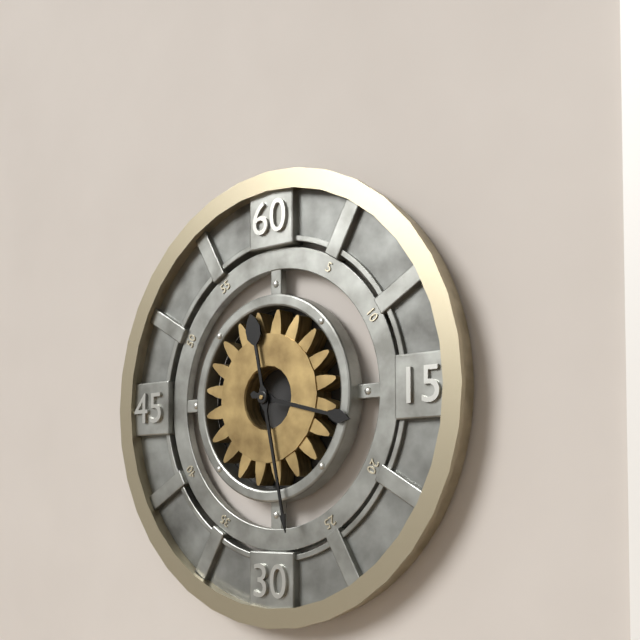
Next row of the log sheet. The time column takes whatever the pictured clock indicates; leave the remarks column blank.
3:28
